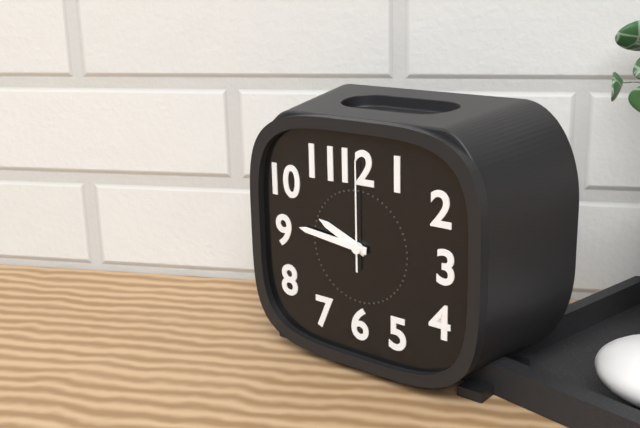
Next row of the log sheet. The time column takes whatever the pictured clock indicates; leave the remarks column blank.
9:46:00
